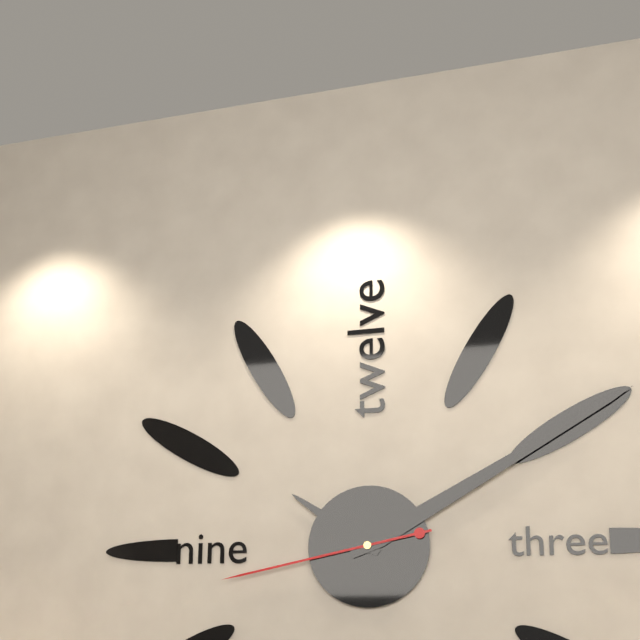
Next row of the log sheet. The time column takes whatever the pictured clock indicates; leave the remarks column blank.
10:10:43
